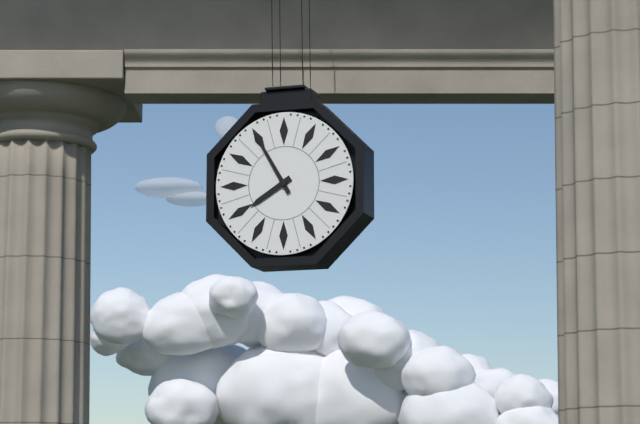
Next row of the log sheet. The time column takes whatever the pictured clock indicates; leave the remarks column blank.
7:55
